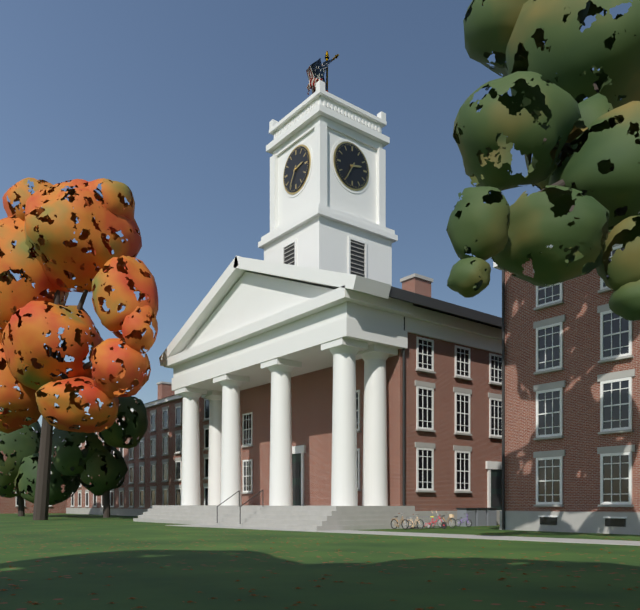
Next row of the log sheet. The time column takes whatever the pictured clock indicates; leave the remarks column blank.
2:35
